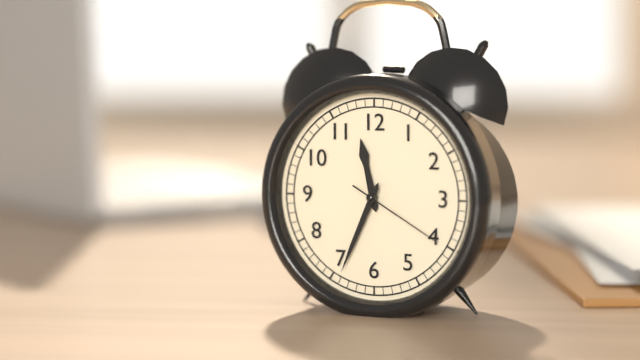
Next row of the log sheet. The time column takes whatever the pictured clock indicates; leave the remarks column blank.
11:34:20
